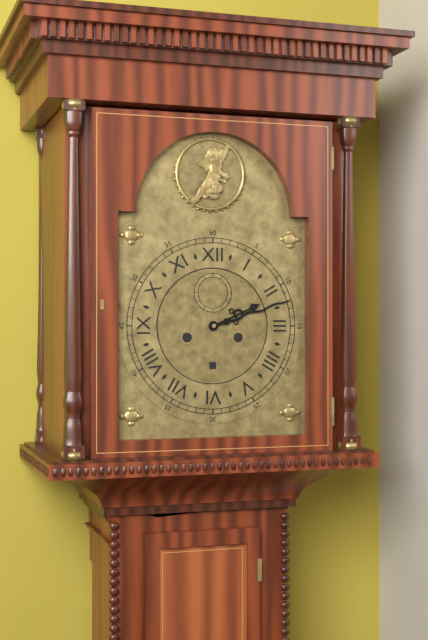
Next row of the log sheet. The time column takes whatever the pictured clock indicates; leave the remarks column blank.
2:12
